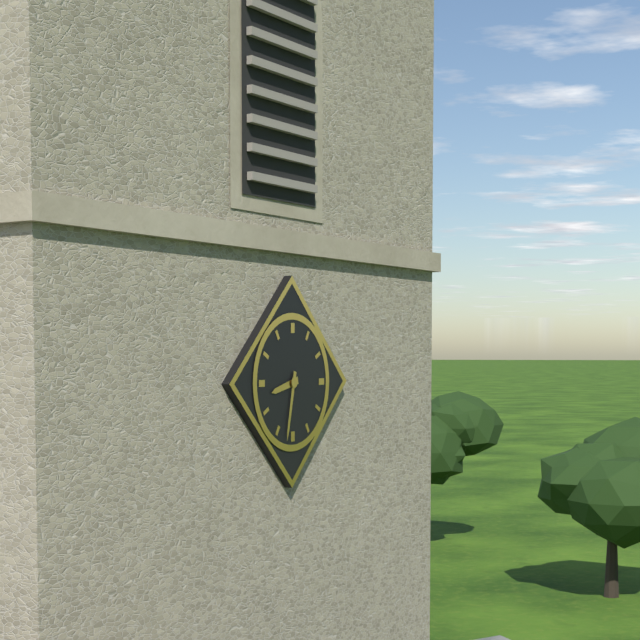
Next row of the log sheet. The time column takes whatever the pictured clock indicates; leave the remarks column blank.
8:32
